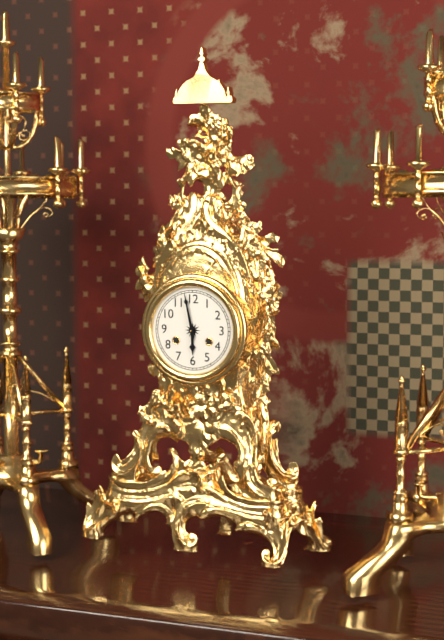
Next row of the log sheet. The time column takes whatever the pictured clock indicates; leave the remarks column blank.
5:58
